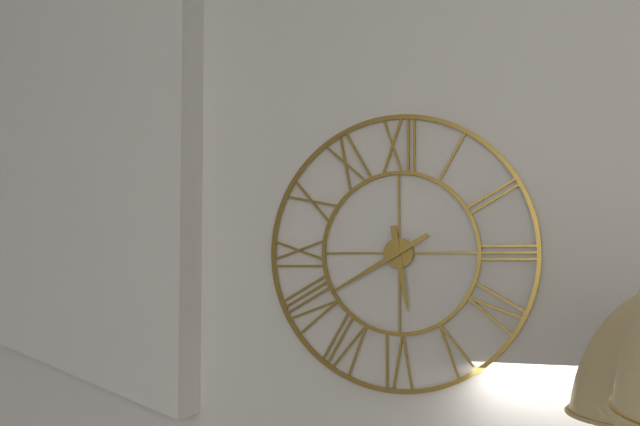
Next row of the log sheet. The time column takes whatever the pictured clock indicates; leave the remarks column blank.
5:40
